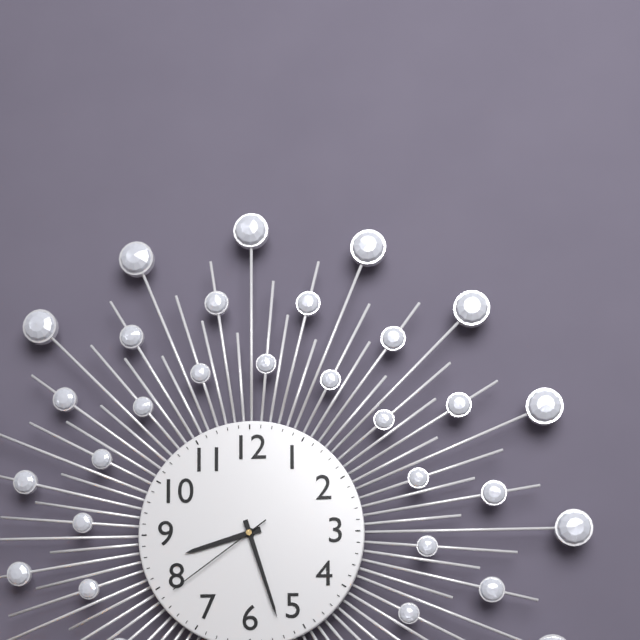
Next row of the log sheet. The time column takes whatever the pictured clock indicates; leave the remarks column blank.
8:27:39
